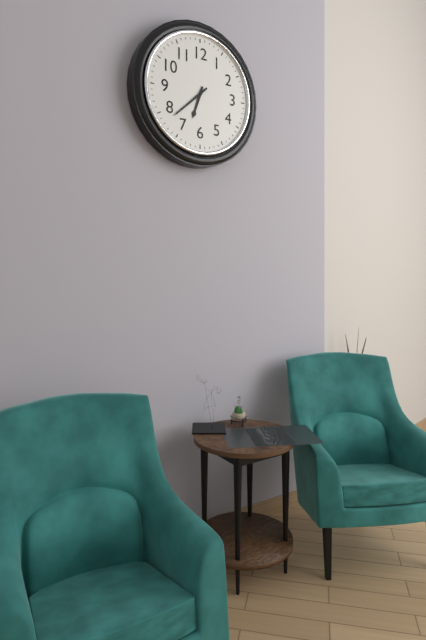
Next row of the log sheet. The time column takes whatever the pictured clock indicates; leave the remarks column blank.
6:38
